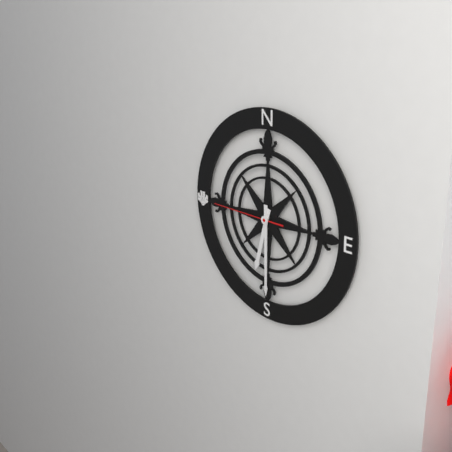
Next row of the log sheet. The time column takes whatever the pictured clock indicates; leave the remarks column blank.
6:30:45
